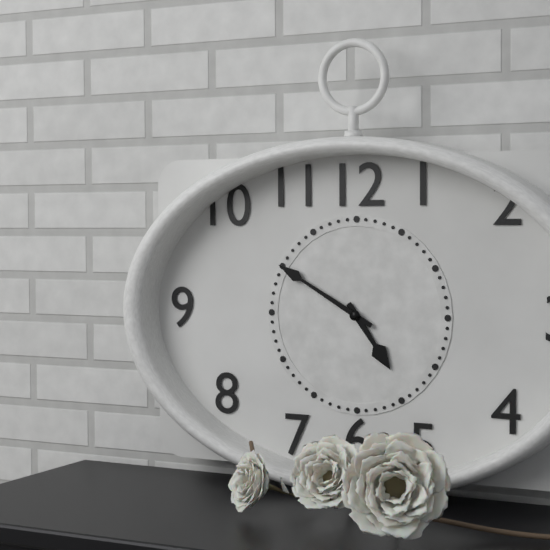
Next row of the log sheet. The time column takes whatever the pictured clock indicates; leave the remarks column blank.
4:50
